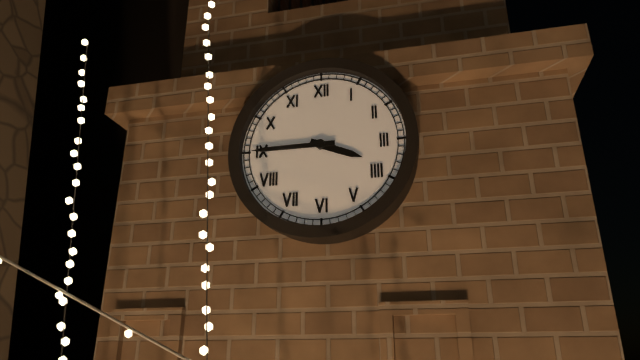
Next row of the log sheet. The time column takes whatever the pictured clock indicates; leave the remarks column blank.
3:45
